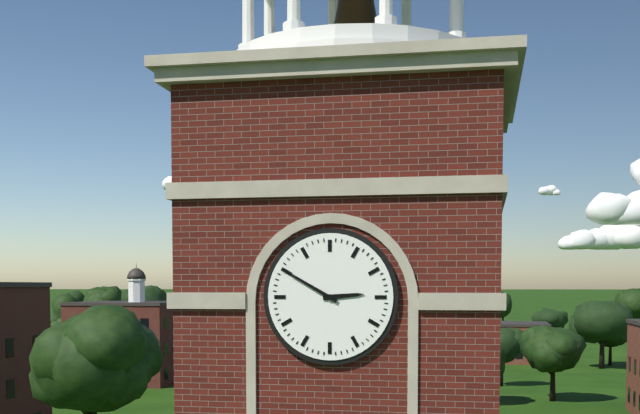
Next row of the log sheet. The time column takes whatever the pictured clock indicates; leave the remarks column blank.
2:50
